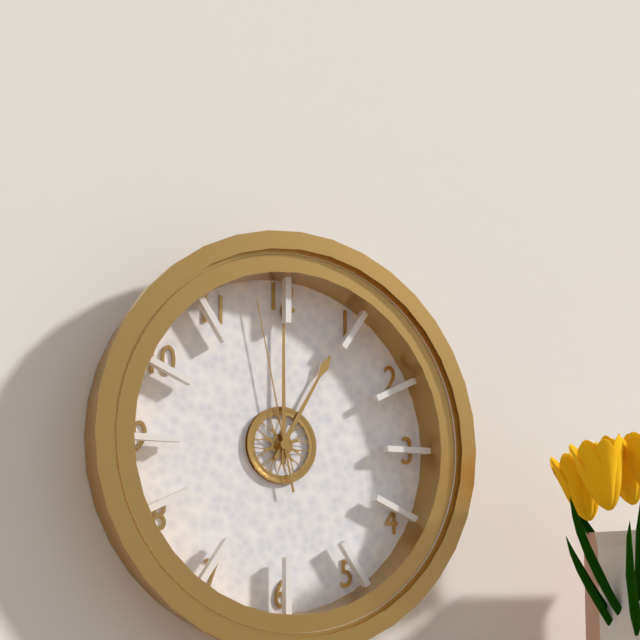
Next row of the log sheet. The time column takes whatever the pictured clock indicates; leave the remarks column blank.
1:00:58
